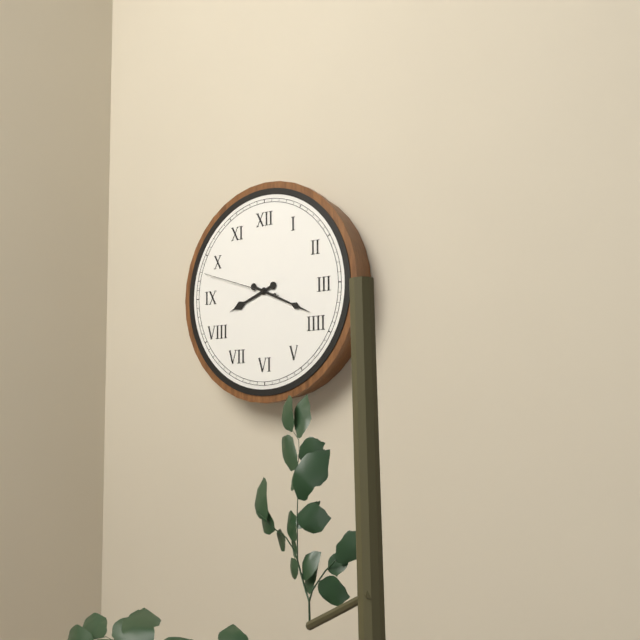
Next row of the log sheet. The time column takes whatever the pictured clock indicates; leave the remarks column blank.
8:19:48
